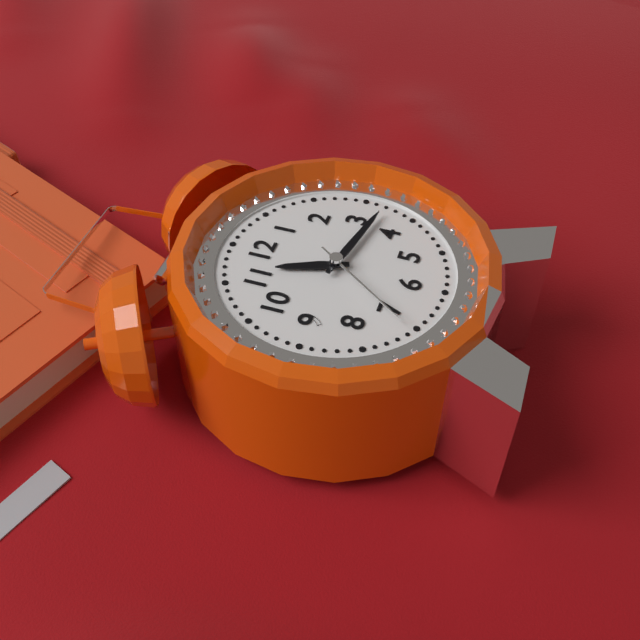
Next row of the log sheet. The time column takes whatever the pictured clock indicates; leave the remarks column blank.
11:17:36
